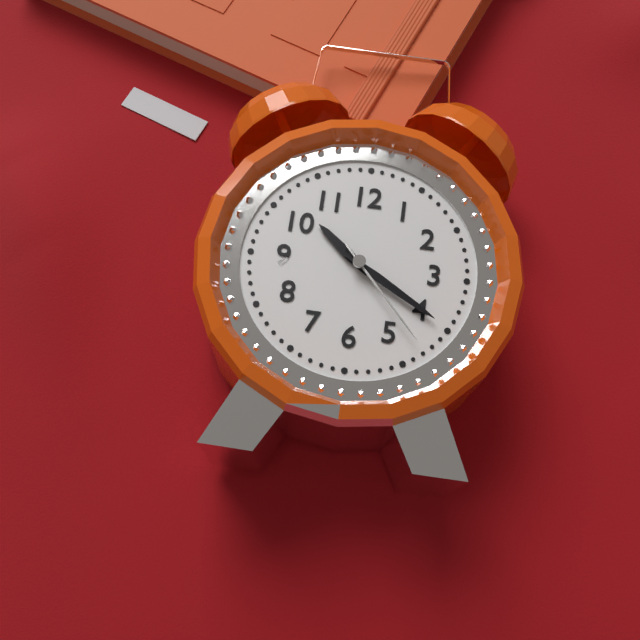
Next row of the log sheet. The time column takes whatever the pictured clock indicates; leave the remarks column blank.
10:20:23
